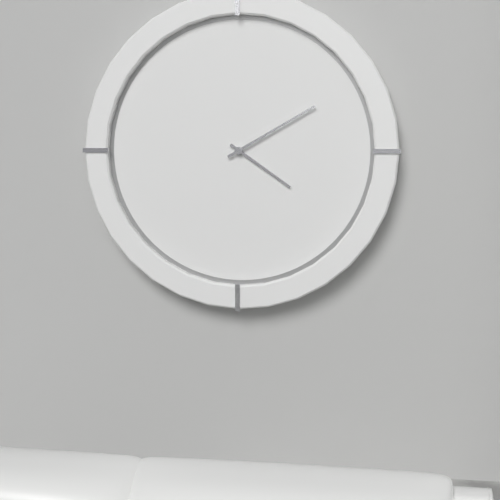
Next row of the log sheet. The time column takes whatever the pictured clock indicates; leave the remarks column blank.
4:10
